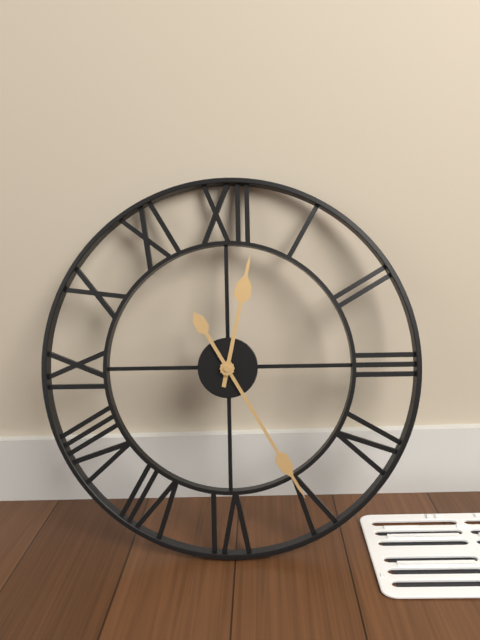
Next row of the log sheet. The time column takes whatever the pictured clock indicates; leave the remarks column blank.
12:25
